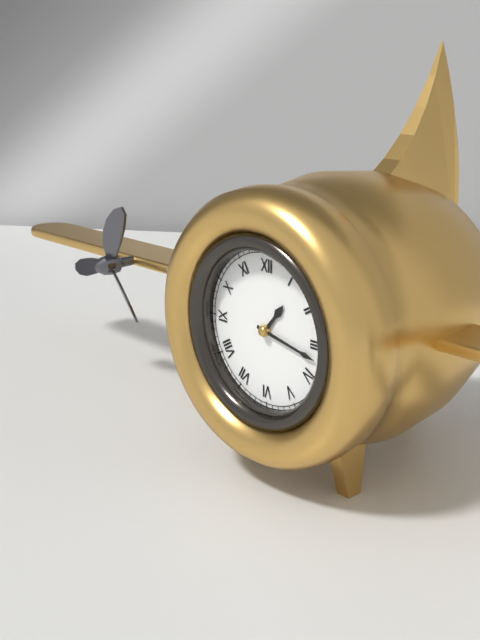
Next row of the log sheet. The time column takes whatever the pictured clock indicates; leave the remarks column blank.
1:17
